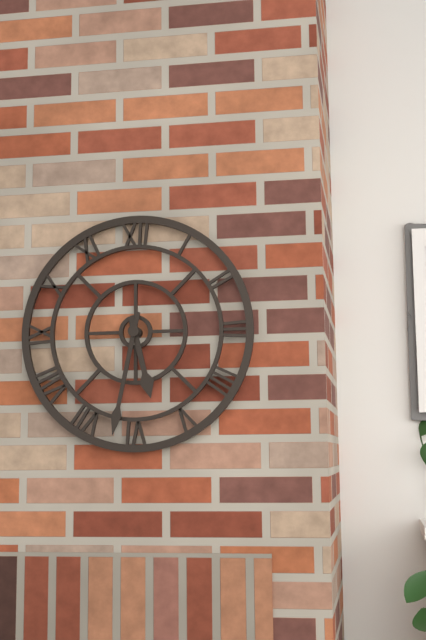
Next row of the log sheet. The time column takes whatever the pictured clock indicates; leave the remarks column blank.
5:32
